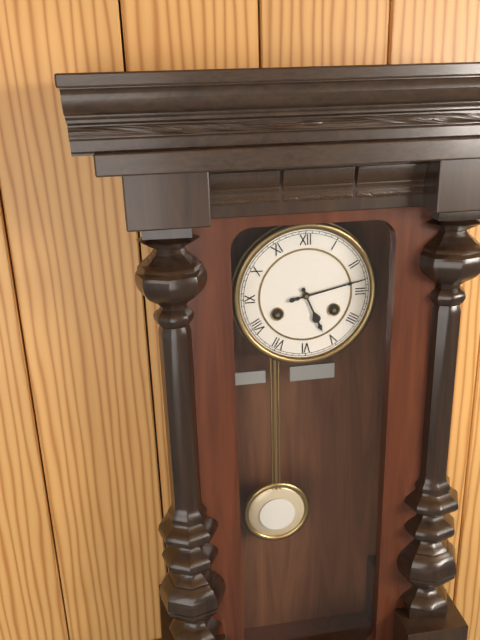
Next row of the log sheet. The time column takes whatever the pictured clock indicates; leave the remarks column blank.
5:13
